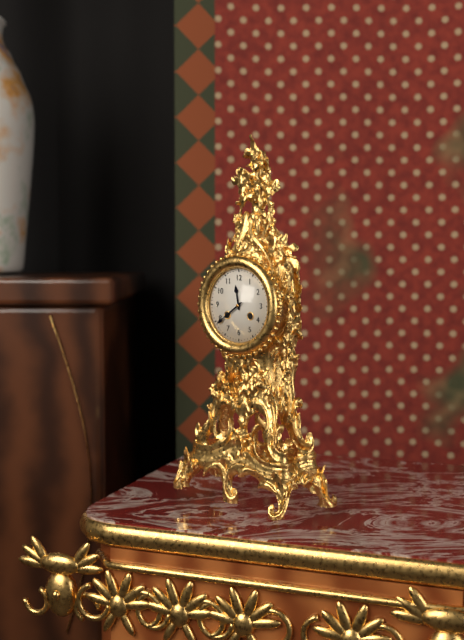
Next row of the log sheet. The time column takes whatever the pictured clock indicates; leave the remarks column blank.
11:39
